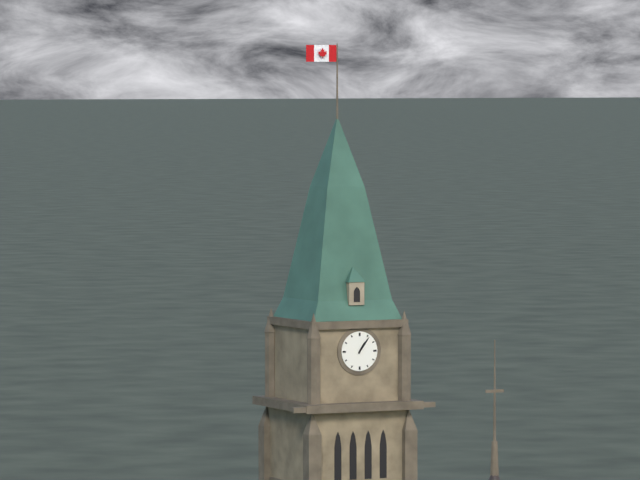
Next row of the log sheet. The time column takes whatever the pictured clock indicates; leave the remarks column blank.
1:06
